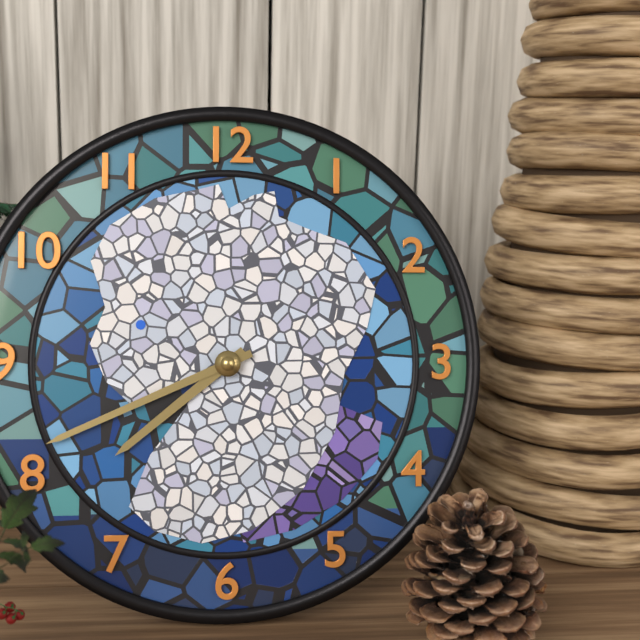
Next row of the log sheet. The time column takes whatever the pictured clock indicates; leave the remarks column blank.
7:41
